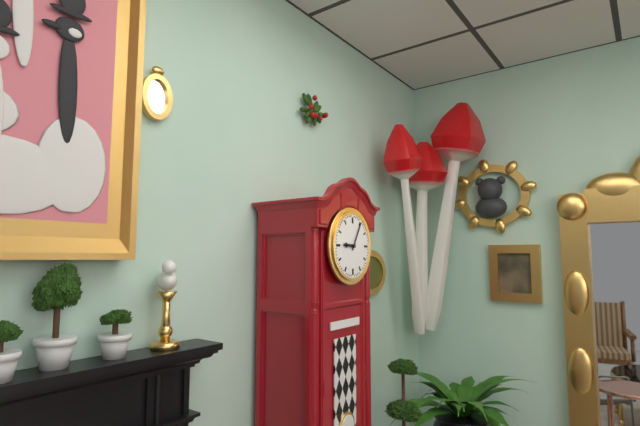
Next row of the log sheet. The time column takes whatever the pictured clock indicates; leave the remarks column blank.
9:05
